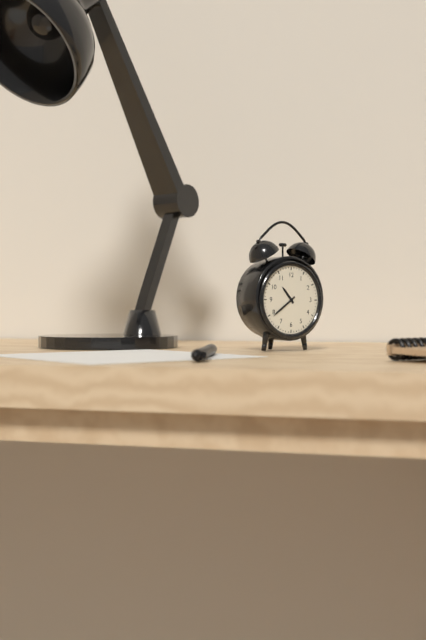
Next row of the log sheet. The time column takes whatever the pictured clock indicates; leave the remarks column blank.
10:39
